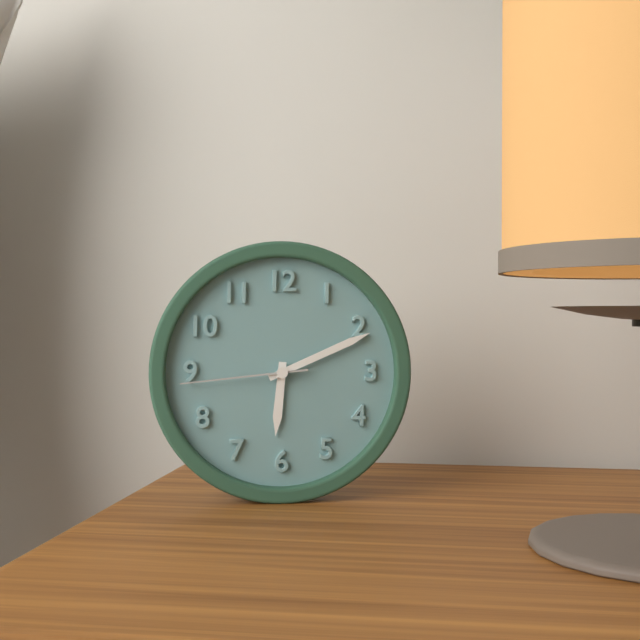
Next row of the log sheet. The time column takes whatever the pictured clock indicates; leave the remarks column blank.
6:11:44
